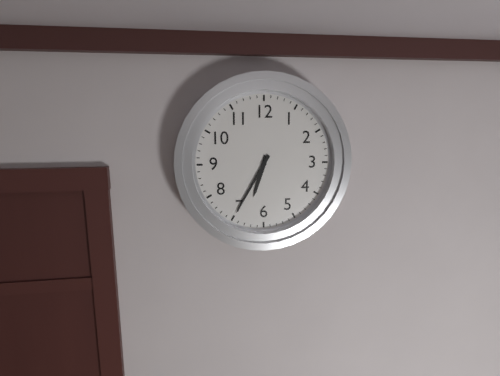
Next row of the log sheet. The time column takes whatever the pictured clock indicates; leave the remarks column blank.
6:35
